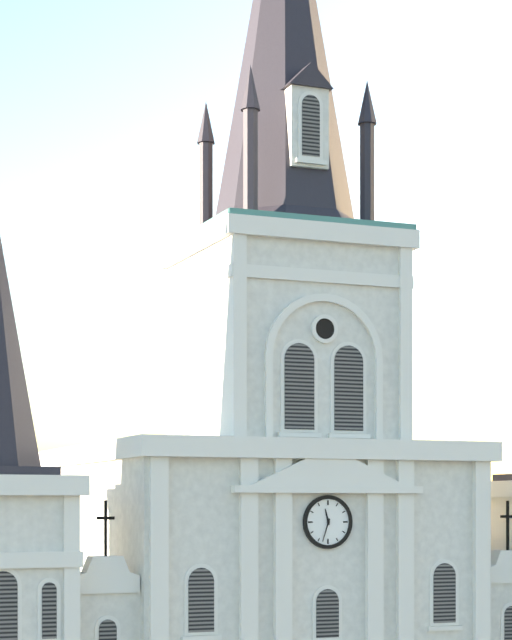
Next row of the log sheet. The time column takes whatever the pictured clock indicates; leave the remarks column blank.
11:33
